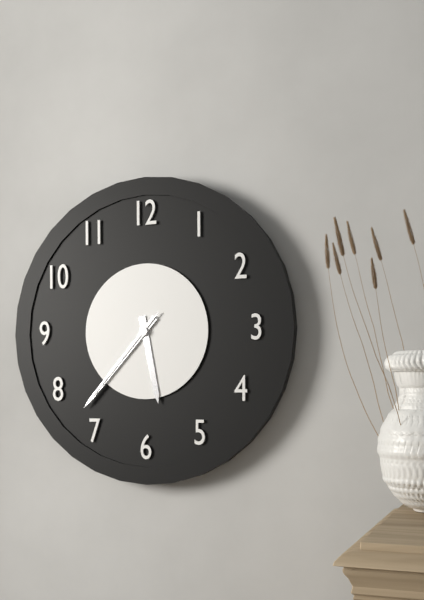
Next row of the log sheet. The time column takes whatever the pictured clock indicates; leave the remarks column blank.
5:37:37
